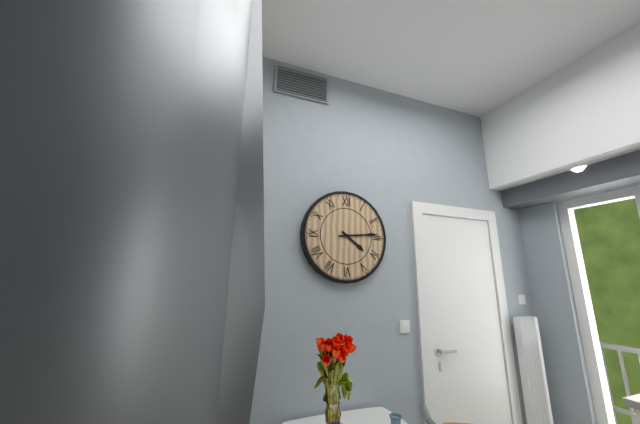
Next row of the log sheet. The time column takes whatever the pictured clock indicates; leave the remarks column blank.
4:14
